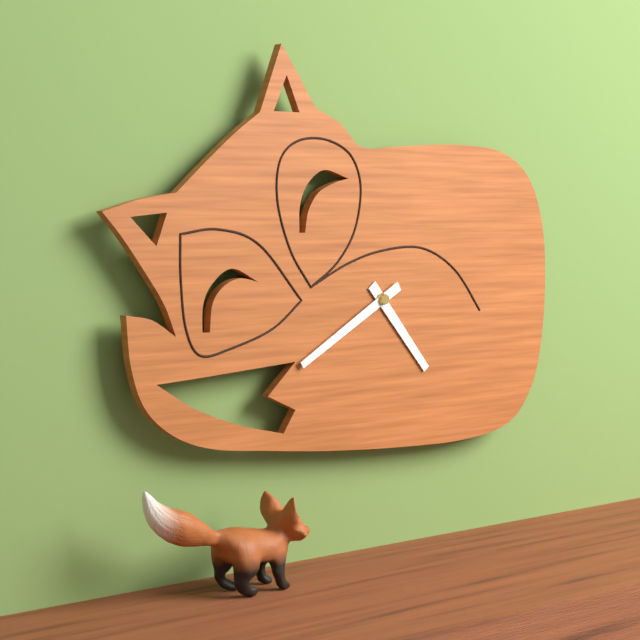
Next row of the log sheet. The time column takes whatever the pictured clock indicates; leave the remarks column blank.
4:40
